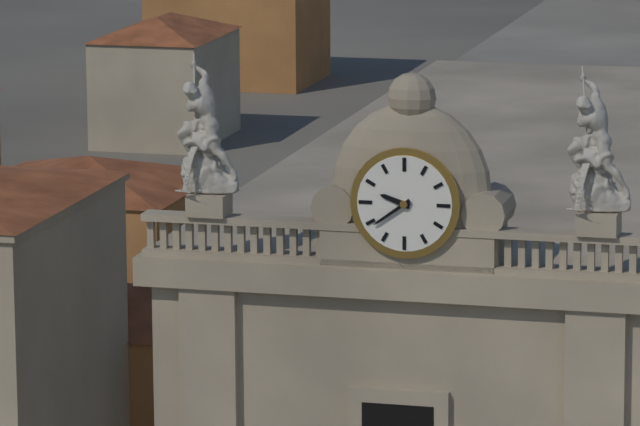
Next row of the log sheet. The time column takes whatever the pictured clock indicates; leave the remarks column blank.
9:39
